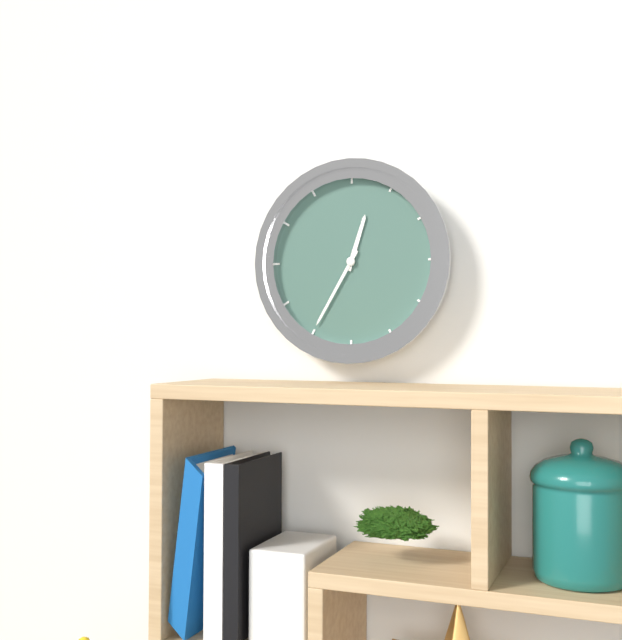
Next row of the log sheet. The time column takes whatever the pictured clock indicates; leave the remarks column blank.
12:35
